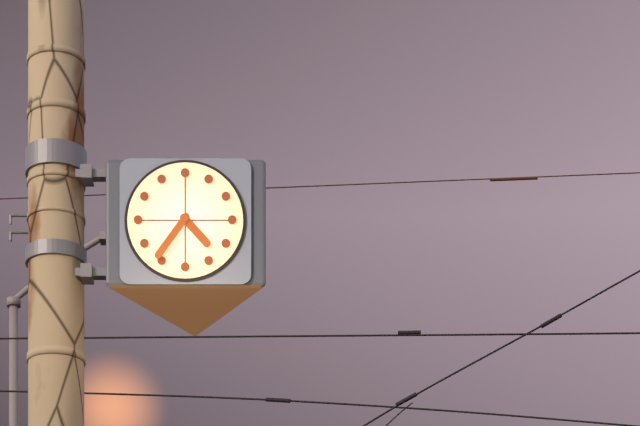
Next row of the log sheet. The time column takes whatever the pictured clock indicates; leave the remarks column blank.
4:36
